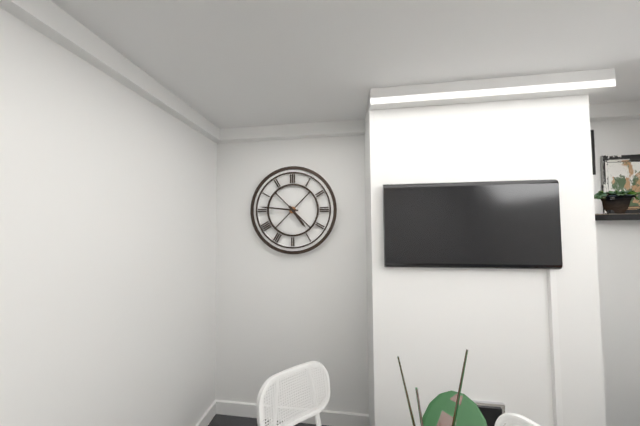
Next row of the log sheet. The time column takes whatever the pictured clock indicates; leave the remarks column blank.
4:46
